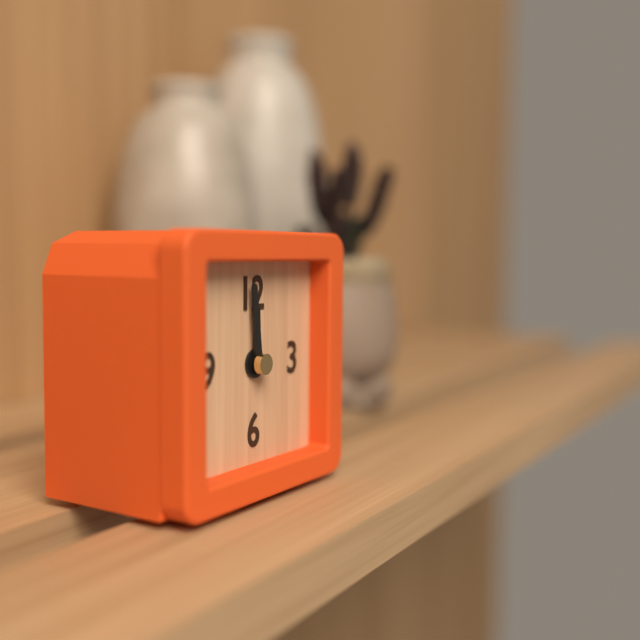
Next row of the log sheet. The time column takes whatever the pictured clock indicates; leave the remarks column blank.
11:59
